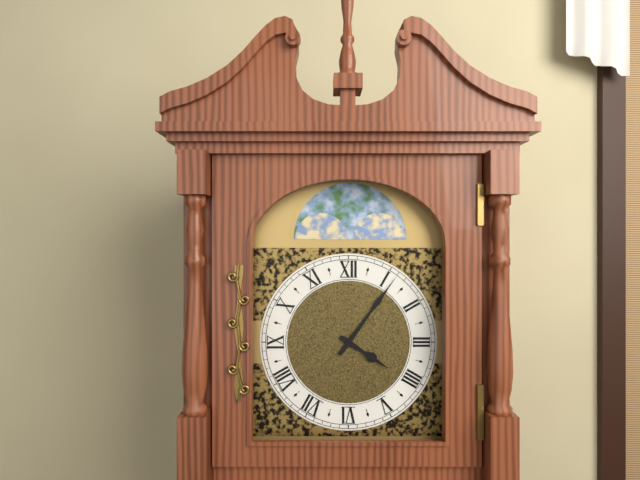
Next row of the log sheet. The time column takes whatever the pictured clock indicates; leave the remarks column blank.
4:06
